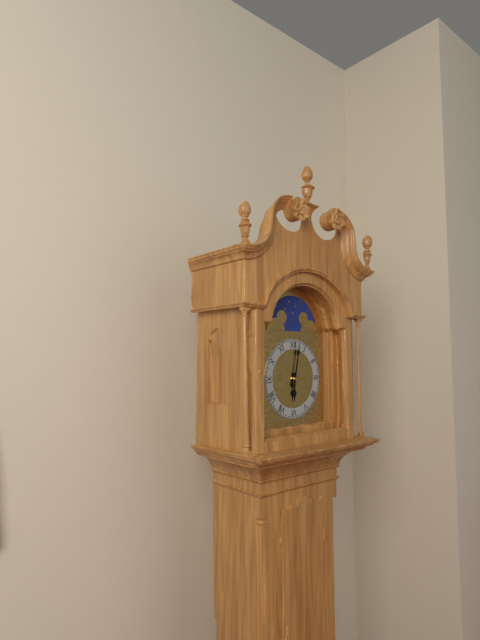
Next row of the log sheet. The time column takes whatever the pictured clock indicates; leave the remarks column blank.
6:02
